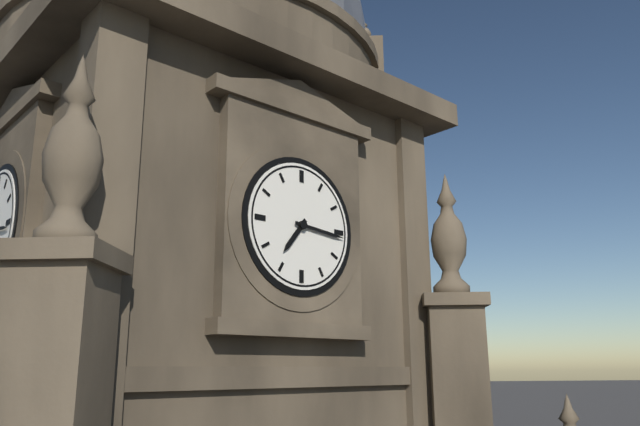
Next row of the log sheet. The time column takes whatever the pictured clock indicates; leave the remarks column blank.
7:16
